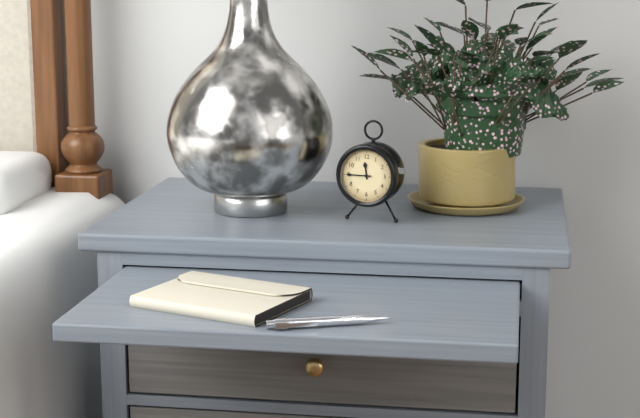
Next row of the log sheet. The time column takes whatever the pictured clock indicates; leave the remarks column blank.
11:45
